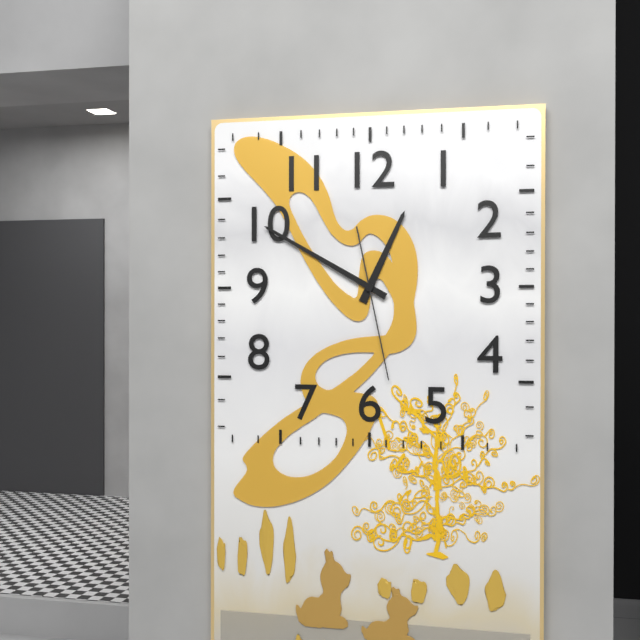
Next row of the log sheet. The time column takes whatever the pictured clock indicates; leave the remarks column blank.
12:50:28
